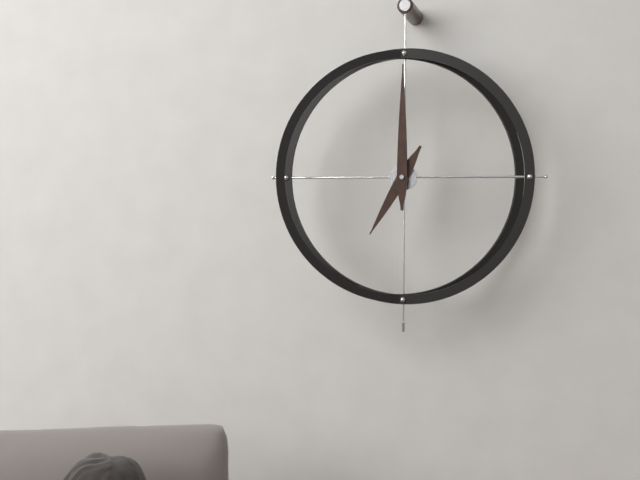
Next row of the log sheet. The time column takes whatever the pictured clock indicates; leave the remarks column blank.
7:00
